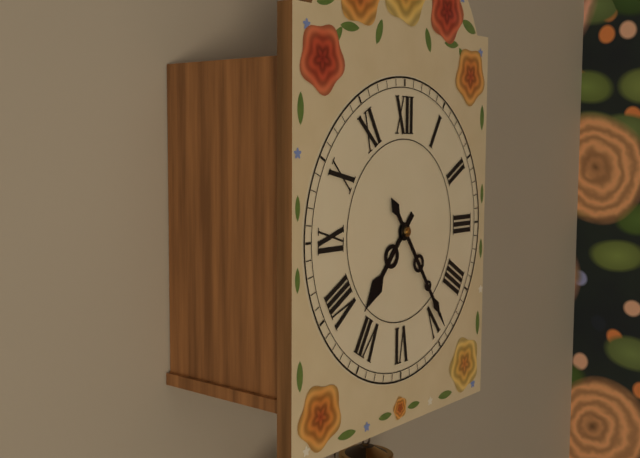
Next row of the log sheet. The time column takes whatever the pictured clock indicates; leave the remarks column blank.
7:24
